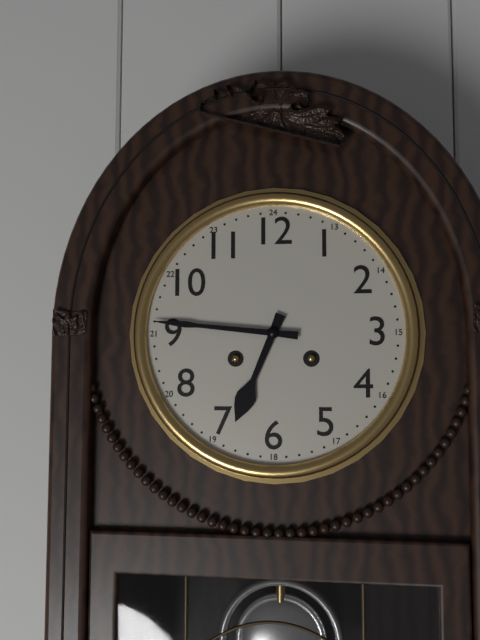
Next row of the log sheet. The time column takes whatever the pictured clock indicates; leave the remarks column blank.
6:46
